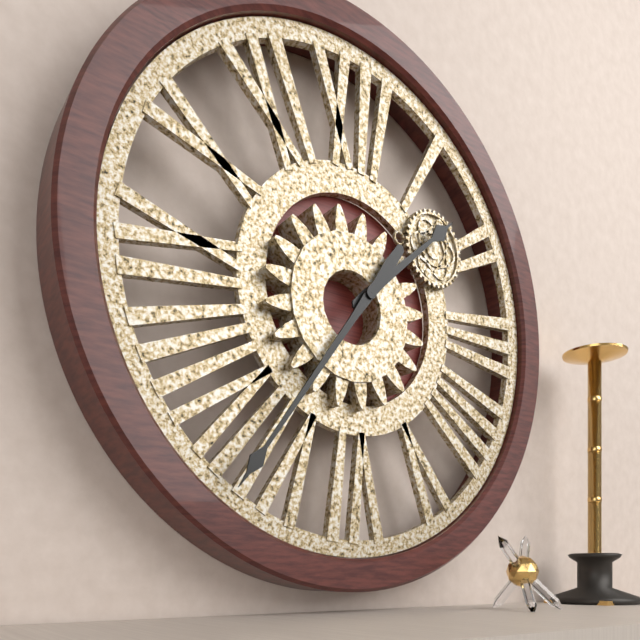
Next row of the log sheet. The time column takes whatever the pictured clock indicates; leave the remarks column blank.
1:36
